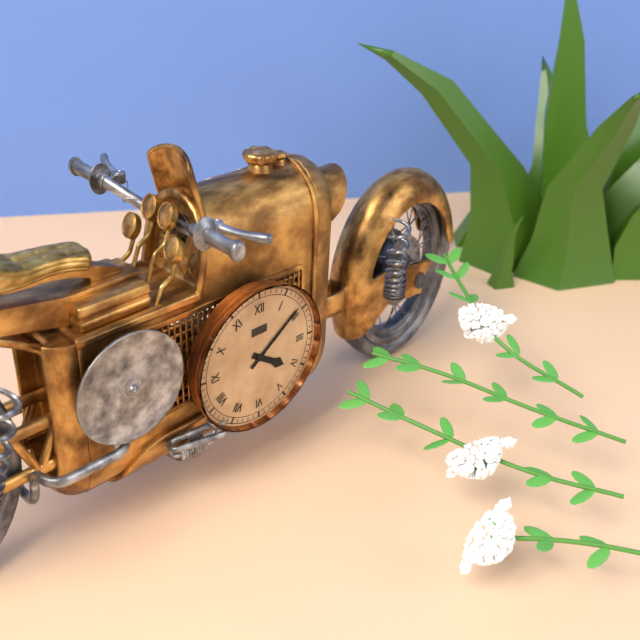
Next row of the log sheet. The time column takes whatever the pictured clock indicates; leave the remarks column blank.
4:09
